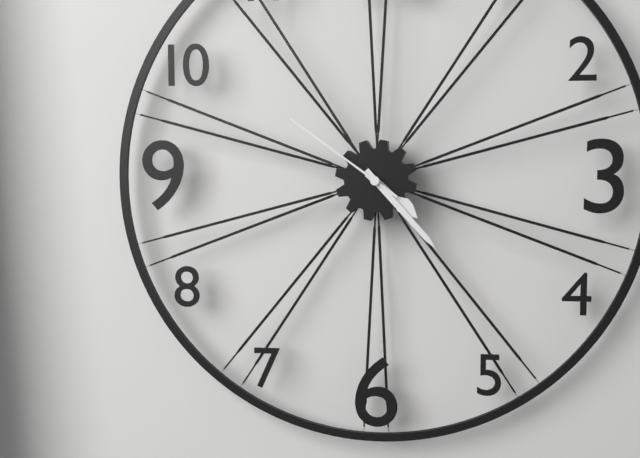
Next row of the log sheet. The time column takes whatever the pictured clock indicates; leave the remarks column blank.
4:23:51
